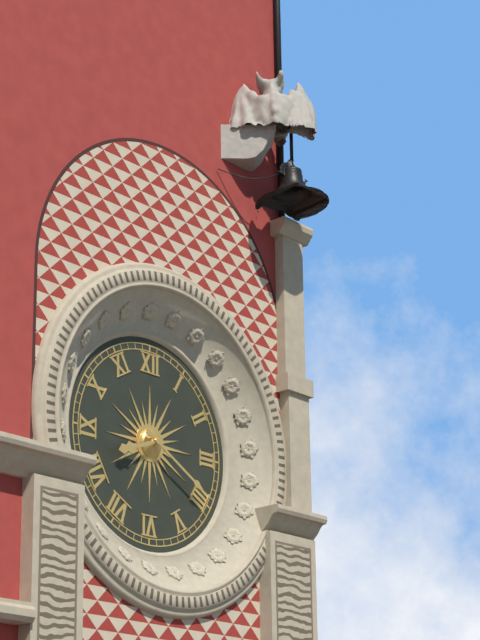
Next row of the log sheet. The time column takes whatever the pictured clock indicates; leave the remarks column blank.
8:20
